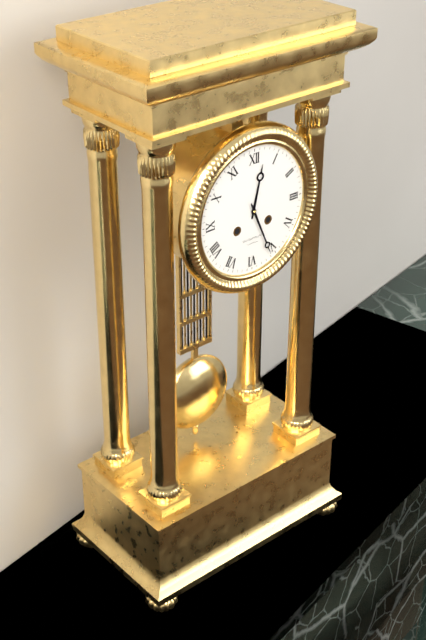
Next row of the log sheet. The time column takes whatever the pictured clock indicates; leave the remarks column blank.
12:26
